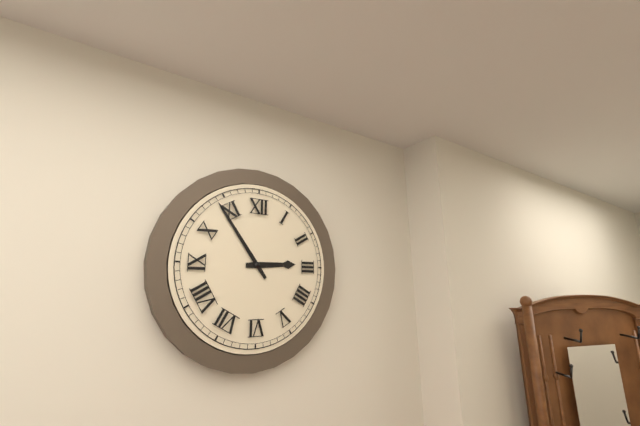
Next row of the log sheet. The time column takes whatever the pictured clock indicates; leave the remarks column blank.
2:54
